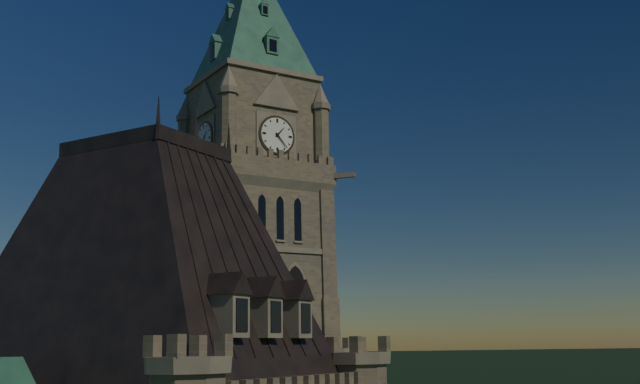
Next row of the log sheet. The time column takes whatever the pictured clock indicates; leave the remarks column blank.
1:23
